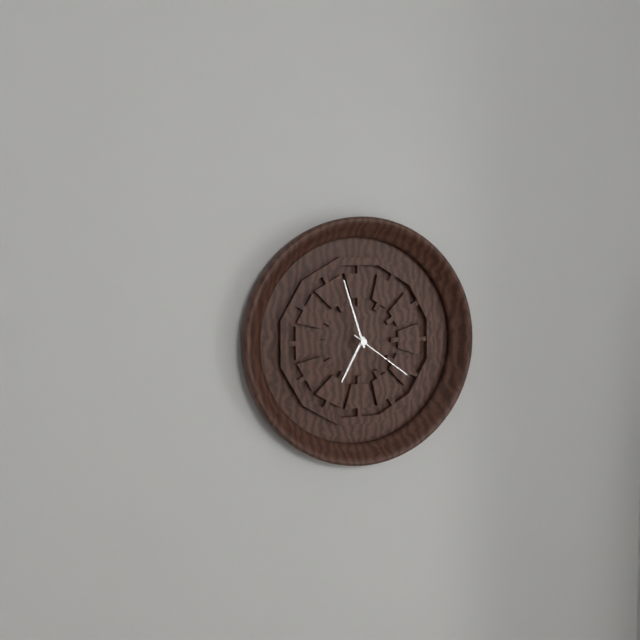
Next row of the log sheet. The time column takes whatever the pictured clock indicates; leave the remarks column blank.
6:57:21
